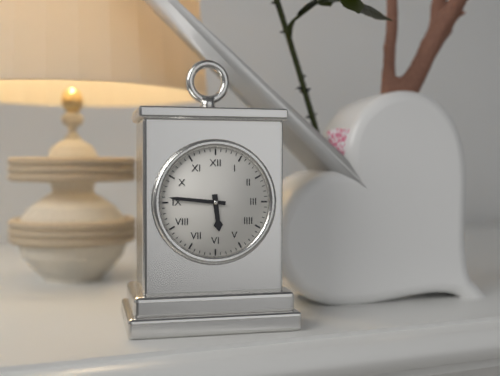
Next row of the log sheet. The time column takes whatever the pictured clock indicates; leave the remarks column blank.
5:46
